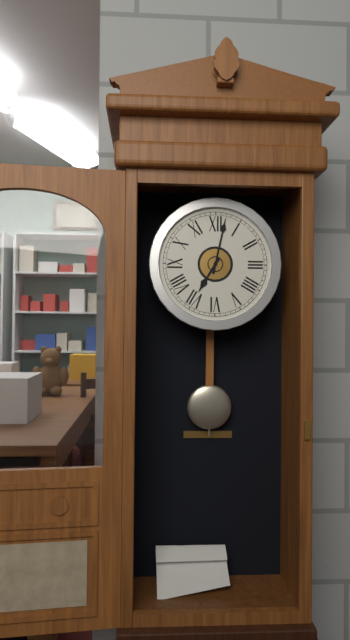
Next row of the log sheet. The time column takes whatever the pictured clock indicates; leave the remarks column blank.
7:02
